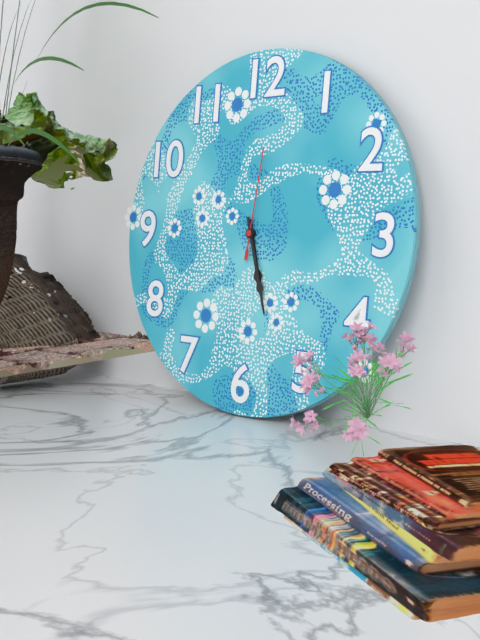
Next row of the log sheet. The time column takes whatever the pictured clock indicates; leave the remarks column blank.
5:27:01
